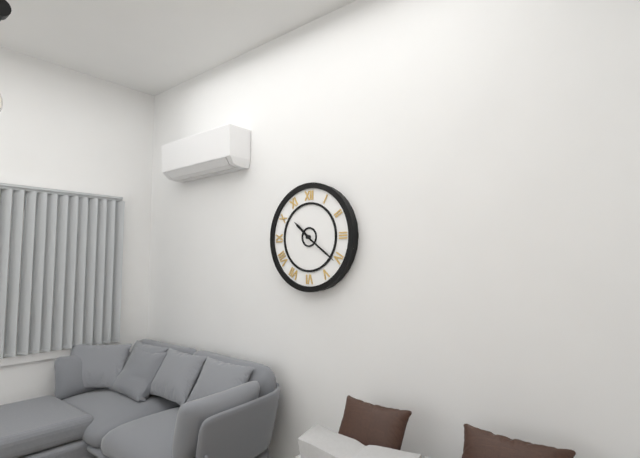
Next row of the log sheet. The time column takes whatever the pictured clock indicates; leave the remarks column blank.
10:21
